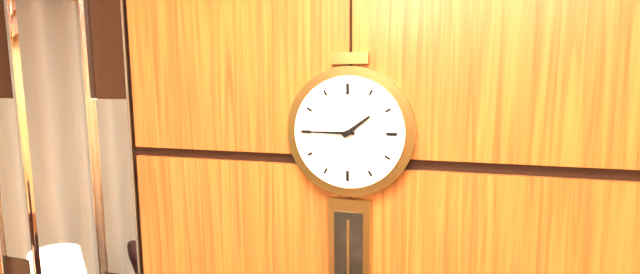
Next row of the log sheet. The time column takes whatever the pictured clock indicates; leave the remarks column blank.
1:45
